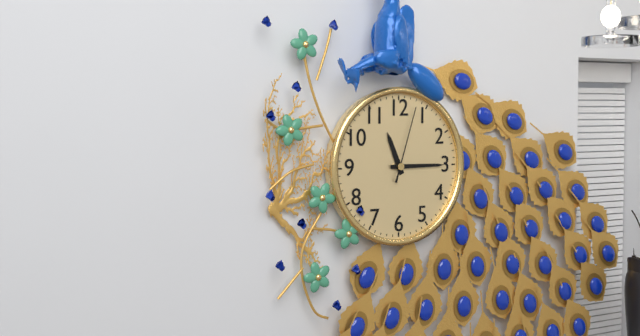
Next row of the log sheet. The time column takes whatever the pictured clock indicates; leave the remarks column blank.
11:15:03
